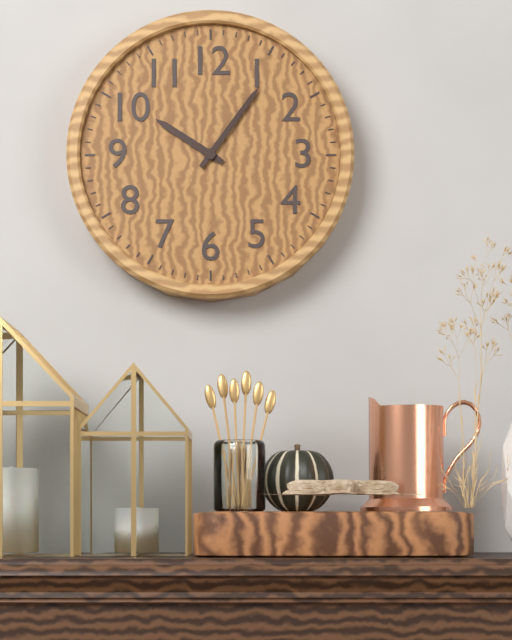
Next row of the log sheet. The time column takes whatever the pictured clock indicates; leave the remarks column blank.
10:06
